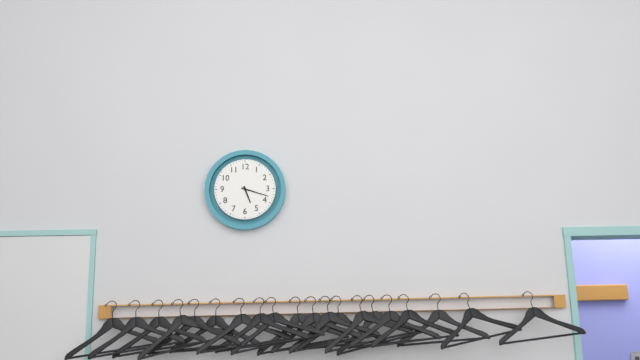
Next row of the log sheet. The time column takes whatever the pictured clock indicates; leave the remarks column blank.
5:18
